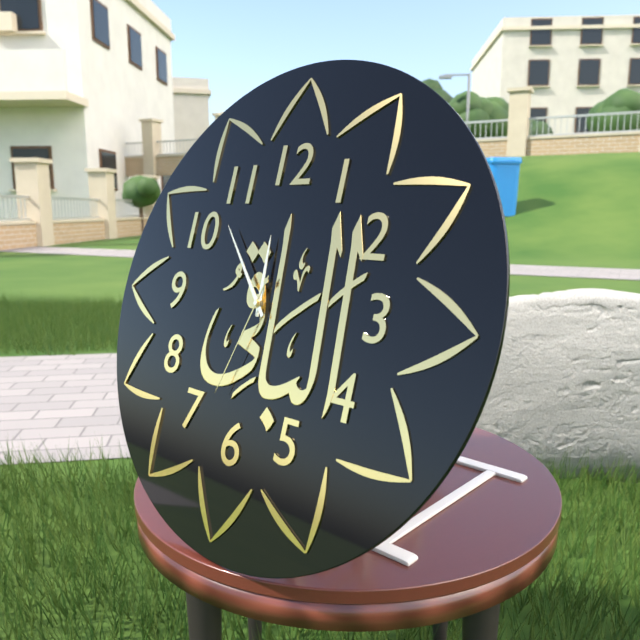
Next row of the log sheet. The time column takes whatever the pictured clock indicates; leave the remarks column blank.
11:53:33
